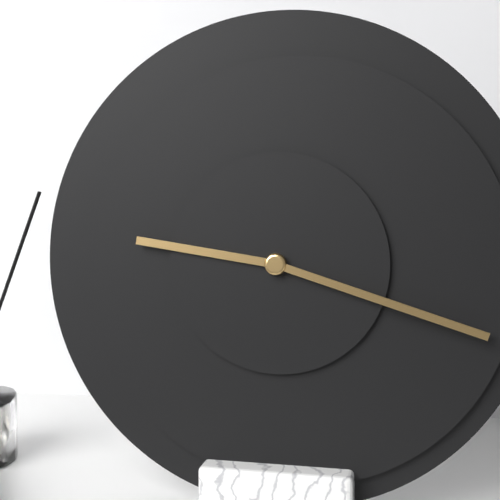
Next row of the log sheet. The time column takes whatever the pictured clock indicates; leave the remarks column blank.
9:18
